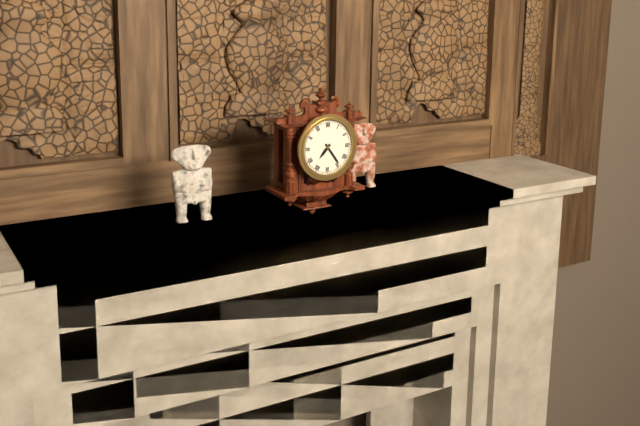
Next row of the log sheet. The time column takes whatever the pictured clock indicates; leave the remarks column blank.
7:24
